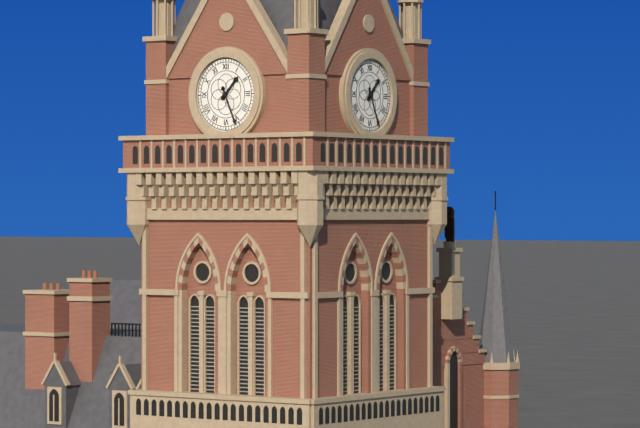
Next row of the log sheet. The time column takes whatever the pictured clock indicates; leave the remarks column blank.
1:26
